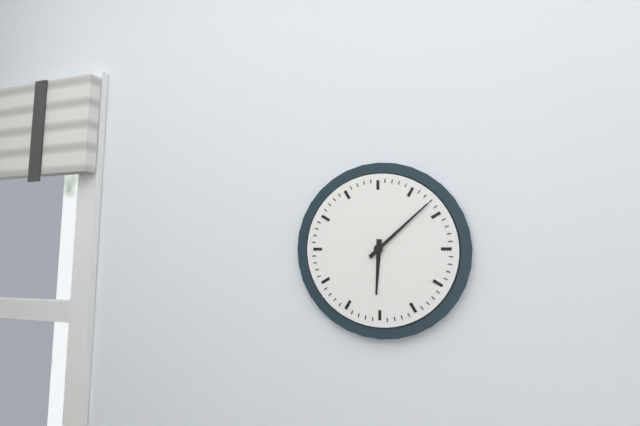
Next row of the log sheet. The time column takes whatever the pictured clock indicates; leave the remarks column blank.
6:08
